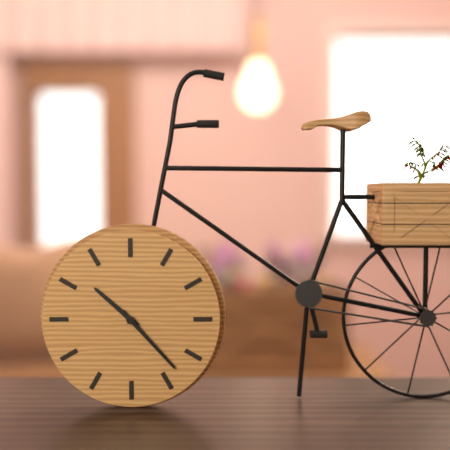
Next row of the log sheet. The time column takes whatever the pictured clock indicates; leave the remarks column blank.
10:23
